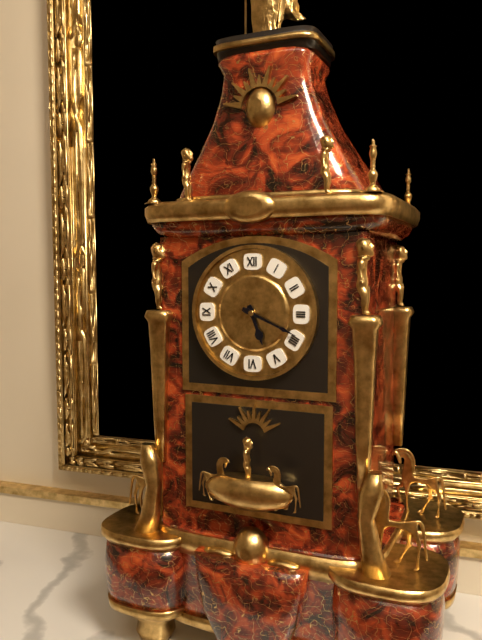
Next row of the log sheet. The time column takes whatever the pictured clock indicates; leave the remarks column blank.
5:19
